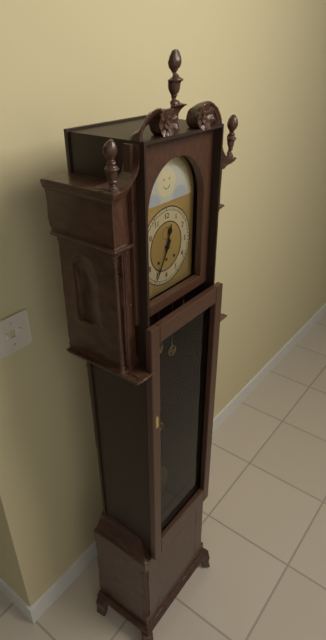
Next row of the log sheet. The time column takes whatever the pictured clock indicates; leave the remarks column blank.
12:35
